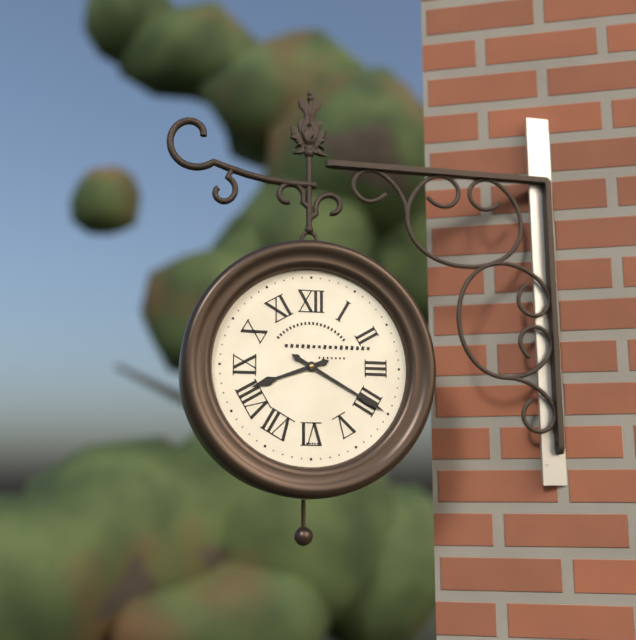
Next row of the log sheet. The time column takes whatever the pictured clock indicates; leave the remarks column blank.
8:20
